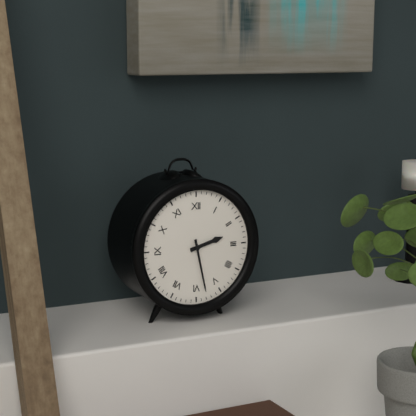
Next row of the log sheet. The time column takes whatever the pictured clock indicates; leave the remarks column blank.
2:28
